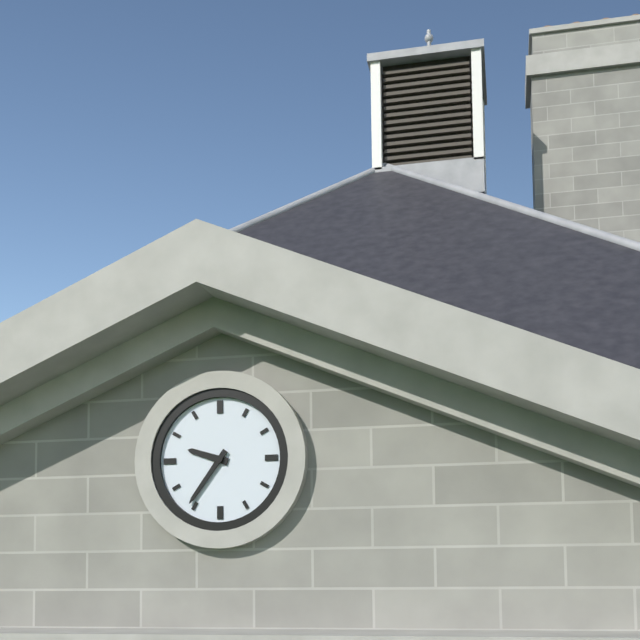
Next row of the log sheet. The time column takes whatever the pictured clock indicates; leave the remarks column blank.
9:36
